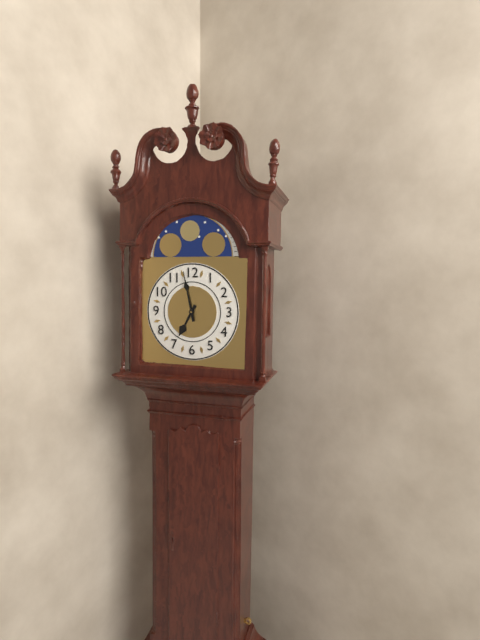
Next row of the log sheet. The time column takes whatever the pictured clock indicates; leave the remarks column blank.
6:58
